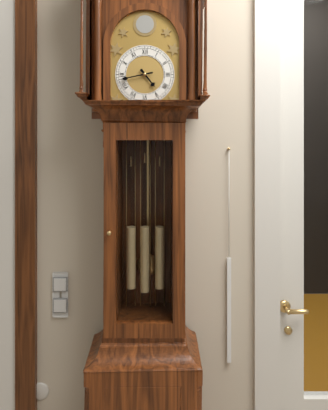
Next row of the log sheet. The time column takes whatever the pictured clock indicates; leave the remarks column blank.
4:43
